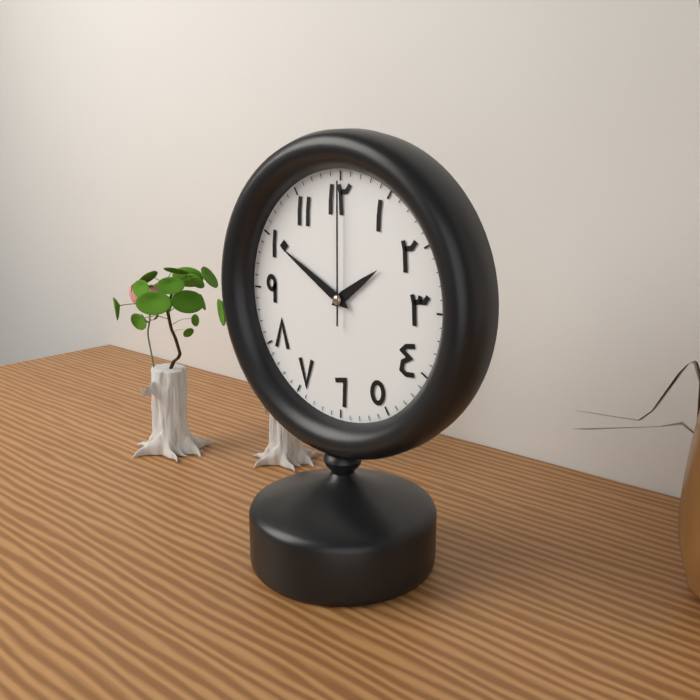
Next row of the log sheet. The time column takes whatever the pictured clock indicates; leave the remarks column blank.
1:50:00
